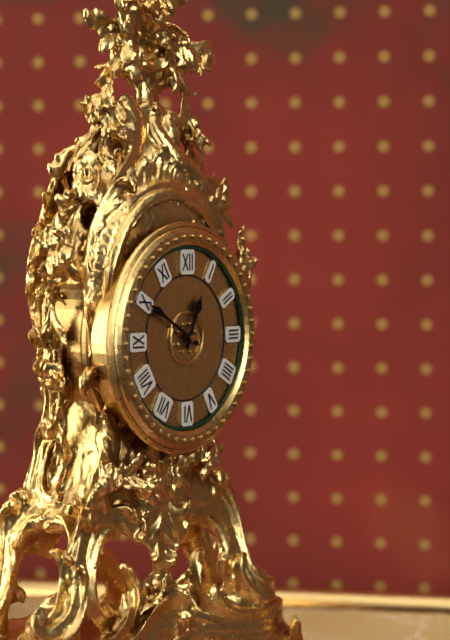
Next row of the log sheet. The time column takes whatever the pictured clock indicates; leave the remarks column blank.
12:50
